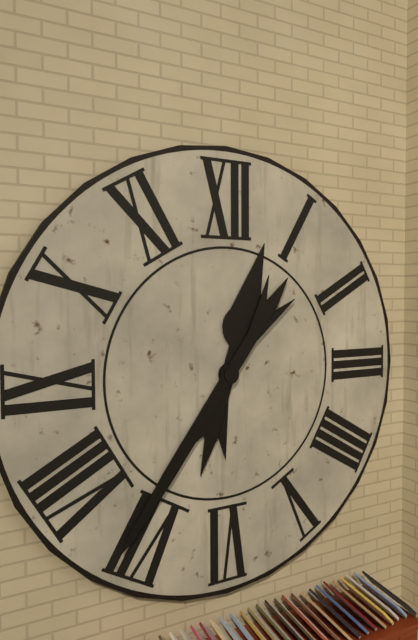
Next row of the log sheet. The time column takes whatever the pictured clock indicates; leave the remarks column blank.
12:36
